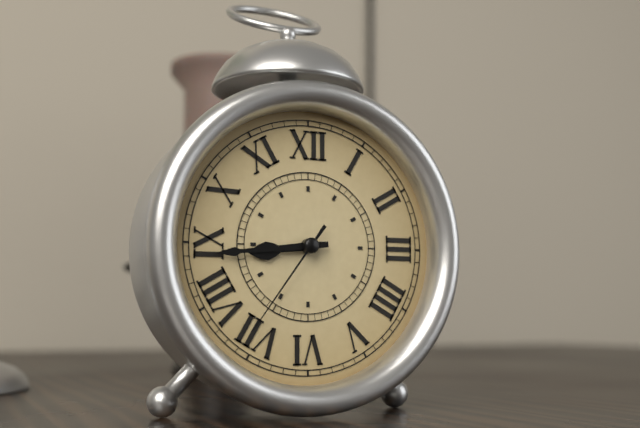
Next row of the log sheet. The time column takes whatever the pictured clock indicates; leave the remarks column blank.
8:44:36
